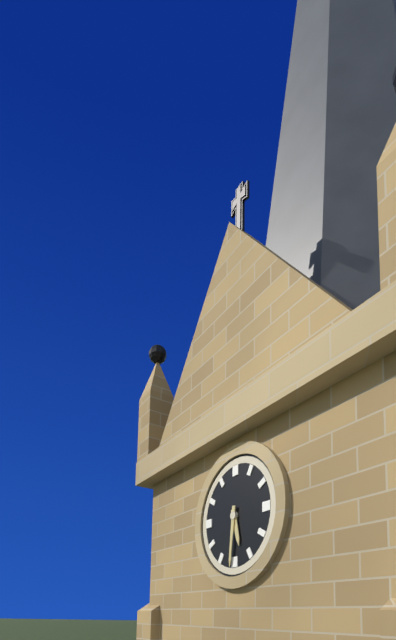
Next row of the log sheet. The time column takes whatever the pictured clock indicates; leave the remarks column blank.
5:31
